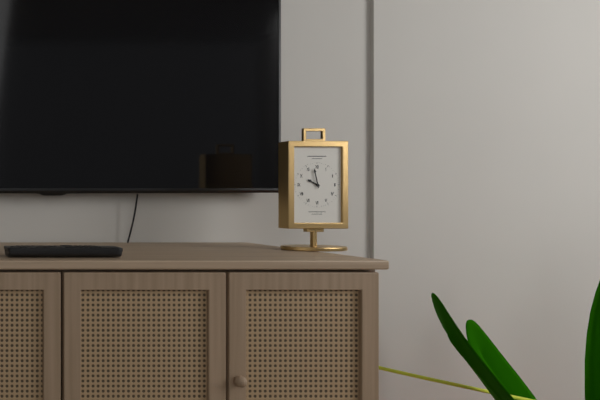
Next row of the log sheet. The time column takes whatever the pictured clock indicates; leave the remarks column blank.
9:58
